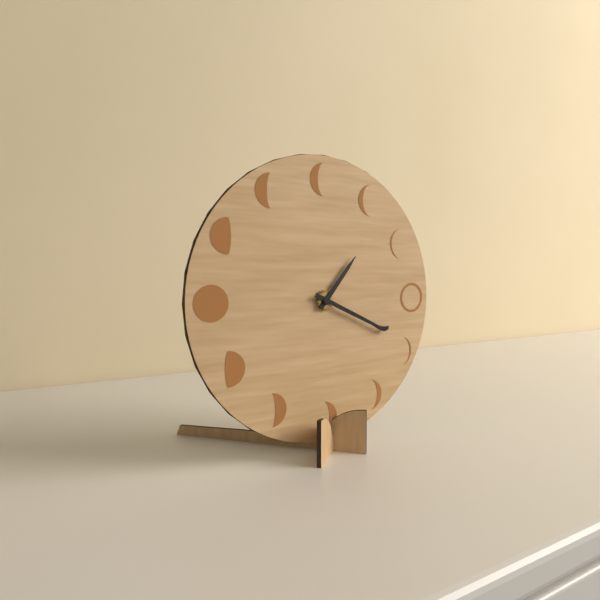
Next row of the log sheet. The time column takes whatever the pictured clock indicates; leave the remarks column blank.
1:19
